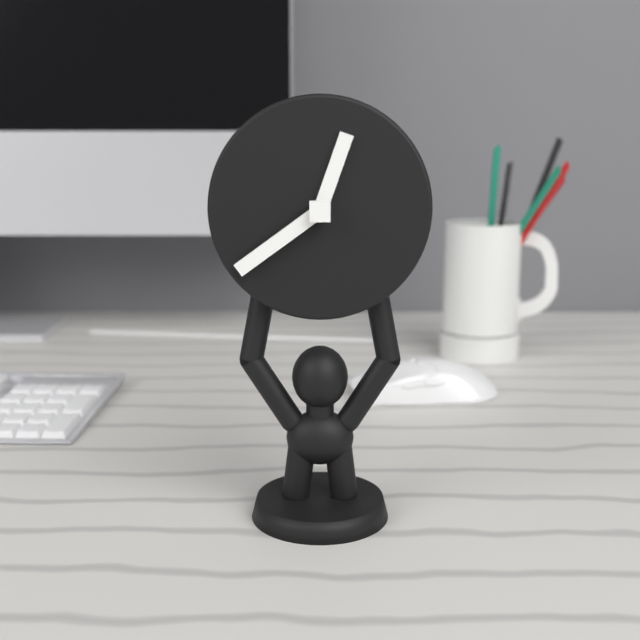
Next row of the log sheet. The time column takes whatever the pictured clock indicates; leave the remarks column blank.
12:39
